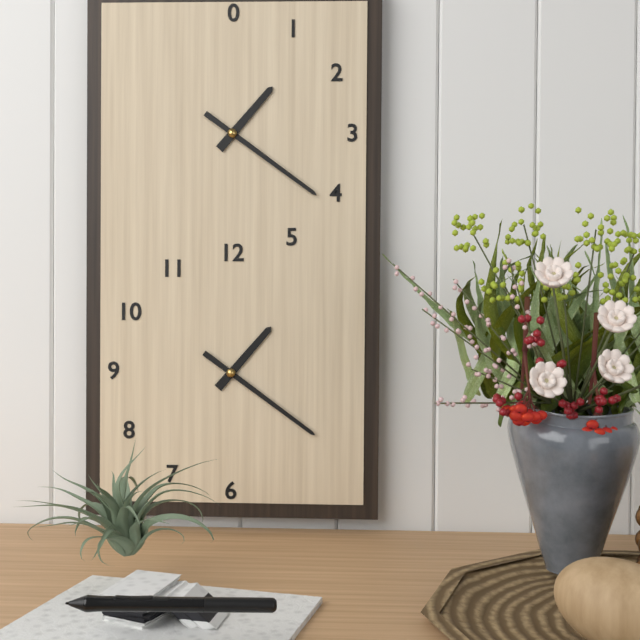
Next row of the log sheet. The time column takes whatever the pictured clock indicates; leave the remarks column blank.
1:21
